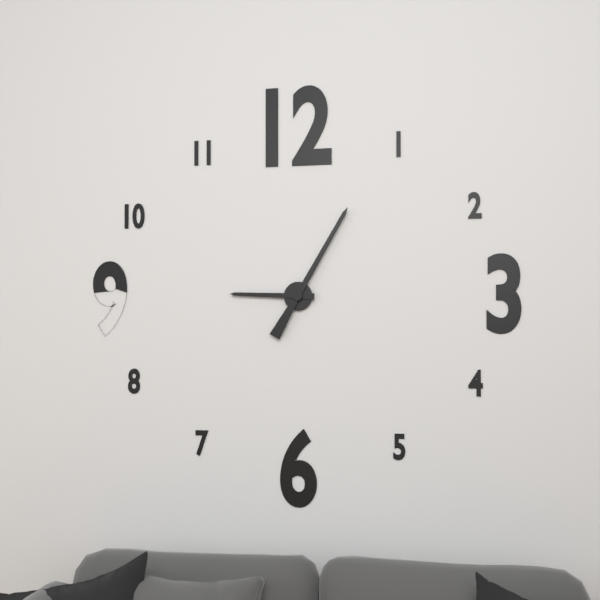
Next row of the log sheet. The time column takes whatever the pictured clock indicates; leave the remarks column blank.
9:05
